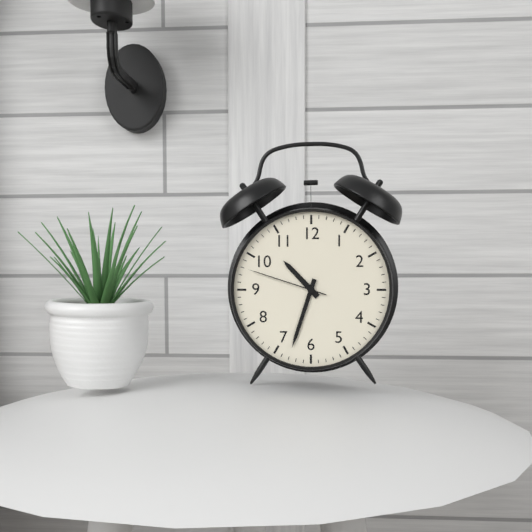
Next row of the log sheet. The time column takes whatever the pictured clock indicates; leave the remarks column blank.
10:33:48
